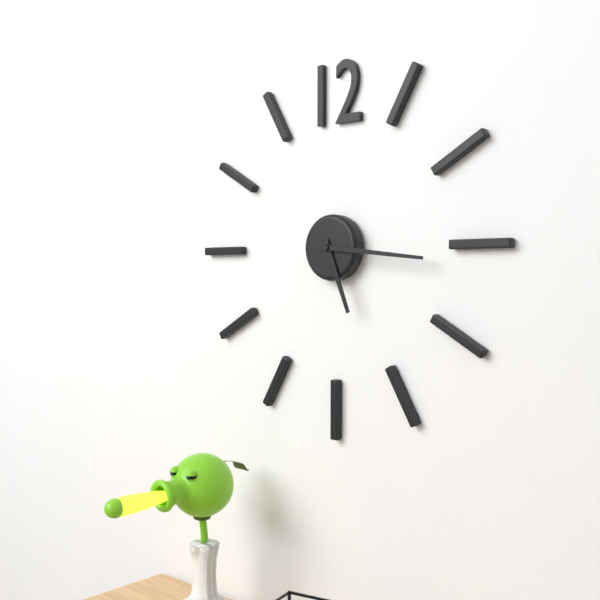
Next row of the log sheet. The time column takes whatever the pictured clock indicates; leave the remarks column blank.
5:16
